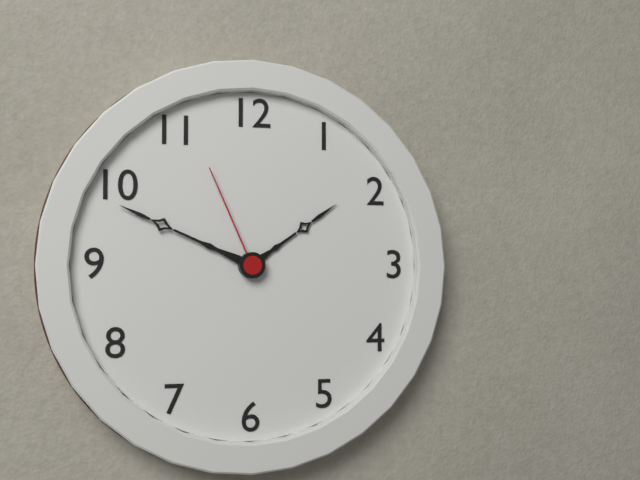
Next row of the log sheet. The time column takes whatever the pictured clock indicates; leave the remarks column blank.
1:49:56
